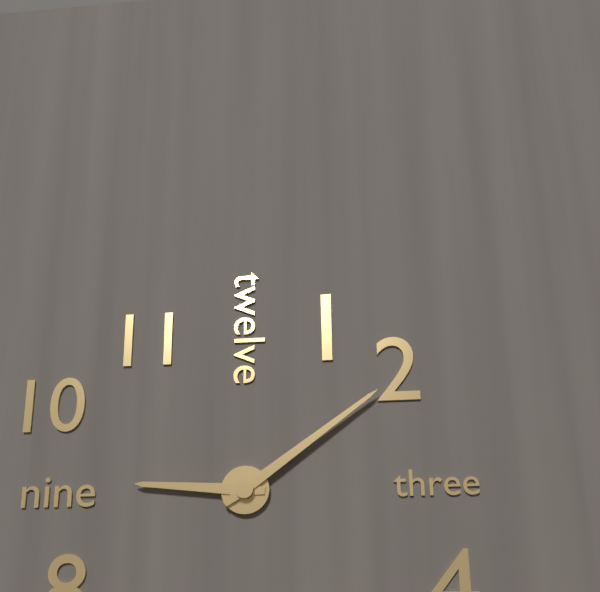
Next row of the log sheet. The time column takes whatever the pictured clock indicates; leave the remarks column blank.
9:09
